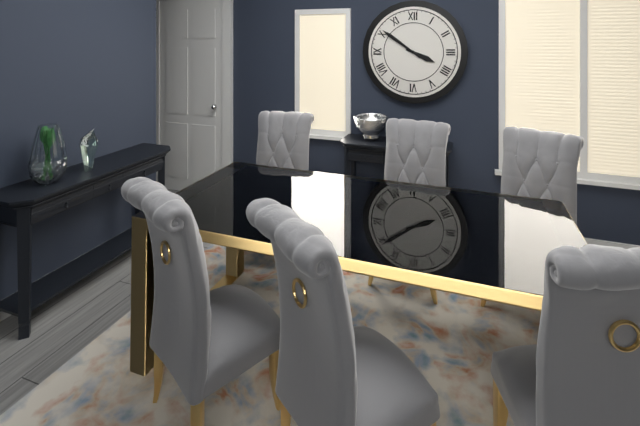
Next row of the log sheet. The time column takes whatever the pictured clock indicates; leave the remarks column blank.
3:51
